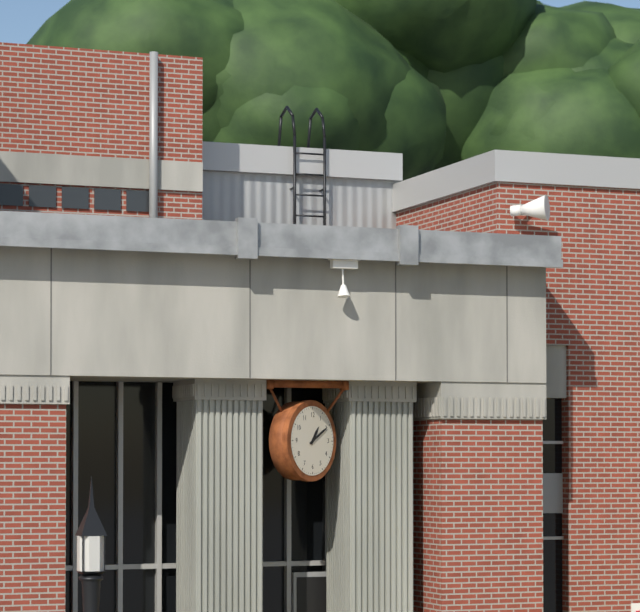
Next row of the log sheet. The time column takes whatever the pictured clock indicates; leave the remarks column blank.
1:10
